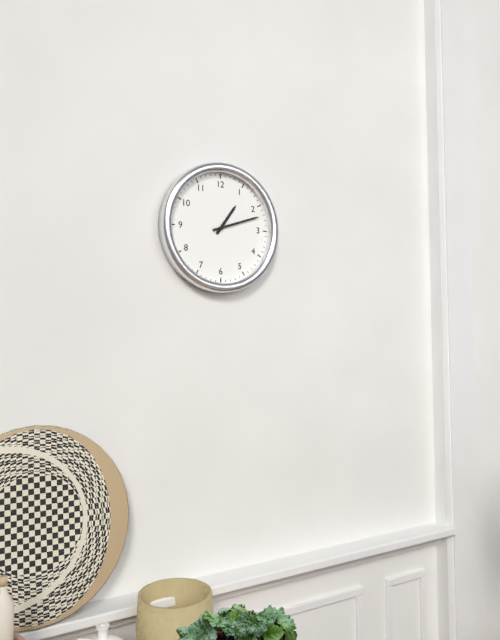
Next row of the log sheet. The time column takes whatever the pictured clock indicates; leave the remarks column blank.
1:12
